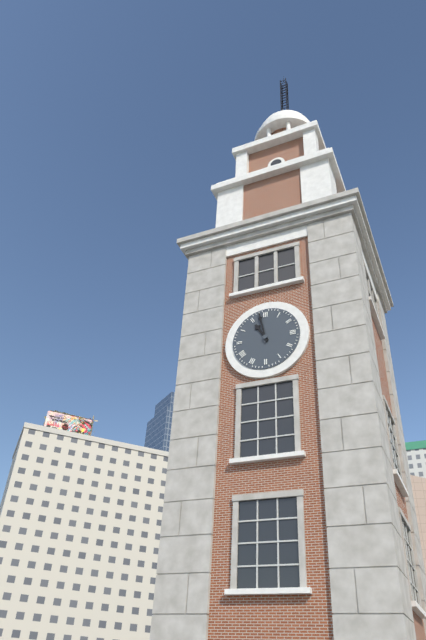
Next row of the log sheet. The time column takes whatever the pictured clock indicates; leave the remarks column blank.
10:58
